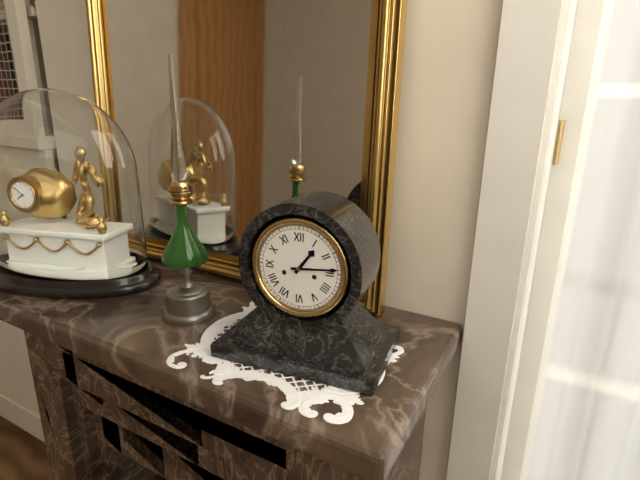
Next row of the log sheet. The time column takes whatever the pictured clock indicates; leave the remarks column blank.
1:14
